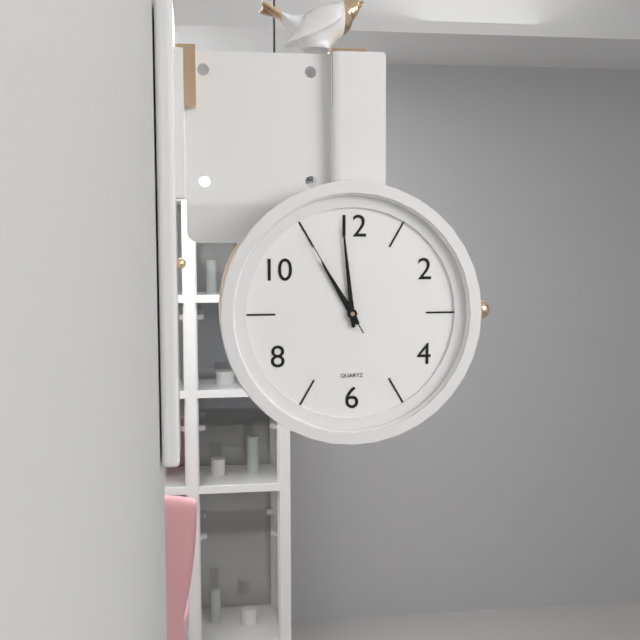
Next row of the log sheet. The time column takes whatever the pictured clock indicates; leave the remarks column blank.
10:59:55
